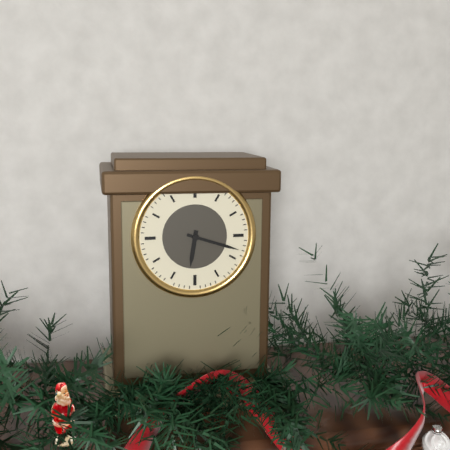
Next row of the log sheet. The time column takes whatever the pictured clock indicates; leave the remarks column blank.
6:18
